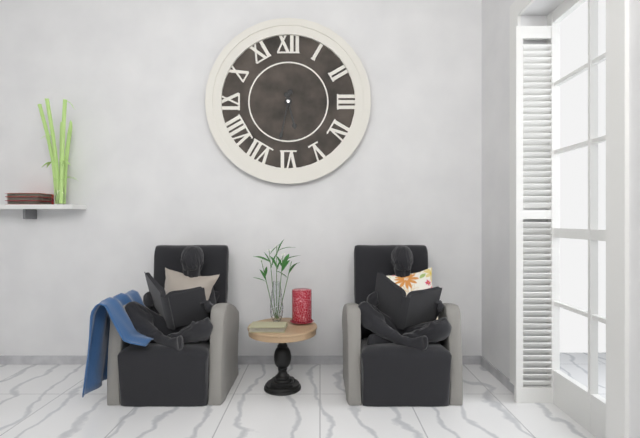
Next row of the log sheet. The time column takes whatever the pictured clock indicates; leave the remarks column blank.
5:32
